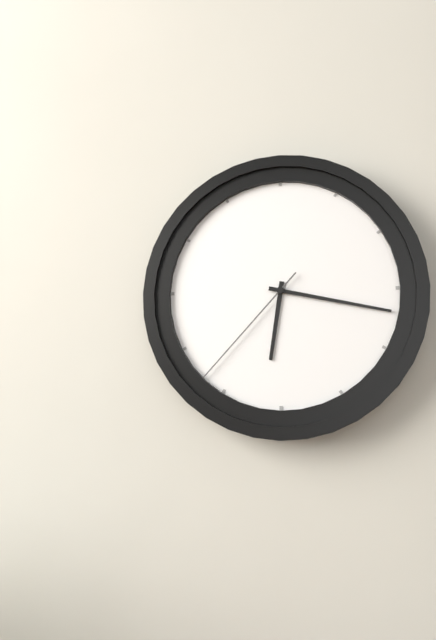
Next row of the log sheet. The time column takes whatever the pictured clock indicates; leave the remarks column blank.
6:17:37
